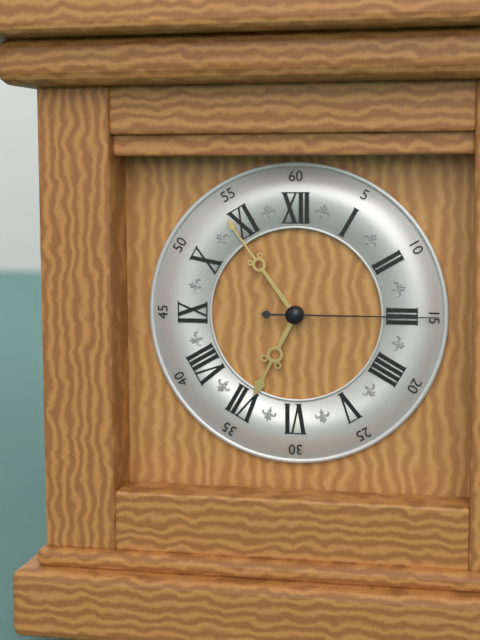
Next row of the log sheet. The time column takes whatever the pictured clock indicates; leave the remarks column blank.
6:54:15
